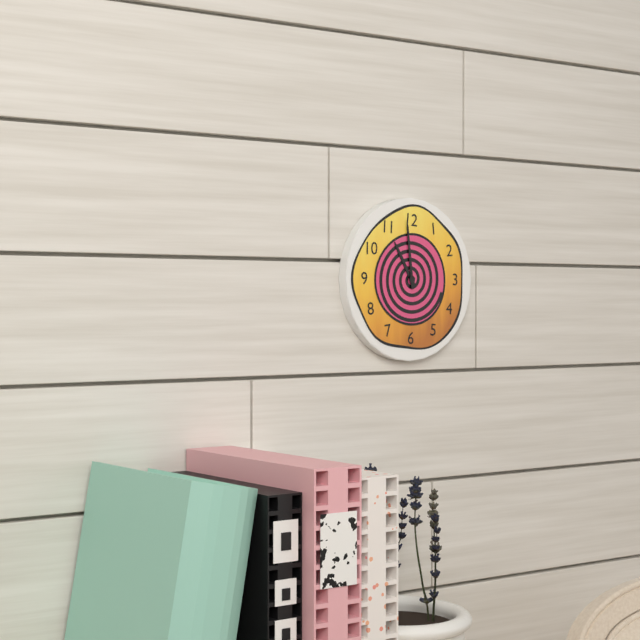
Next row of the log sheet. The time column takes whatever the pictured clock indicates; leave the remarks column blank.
10:59
